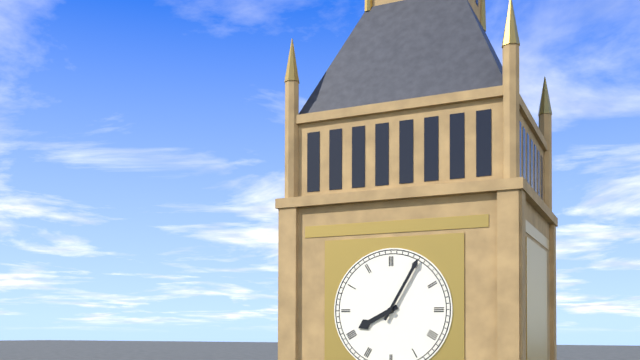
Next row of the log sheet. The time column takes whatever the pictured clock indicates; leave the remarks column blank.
8:05
